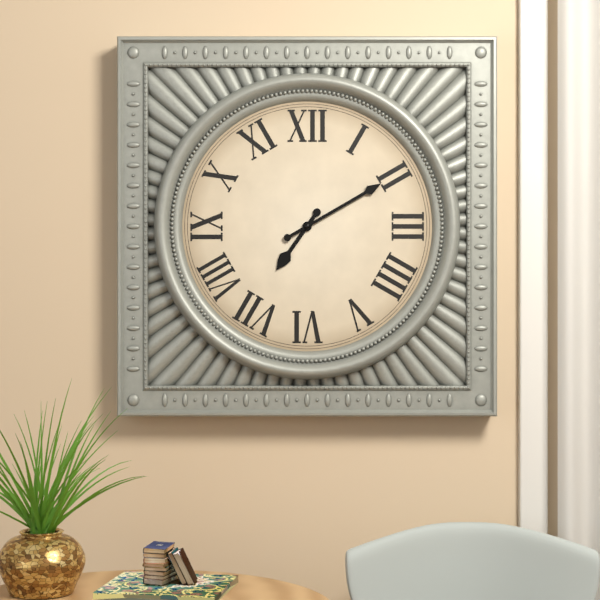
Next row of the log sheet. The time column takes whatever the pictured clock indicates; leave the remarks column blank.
7:10
